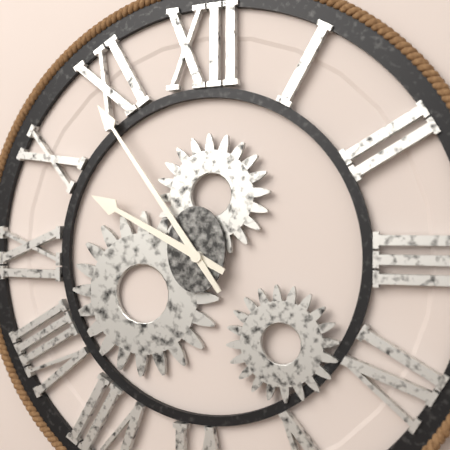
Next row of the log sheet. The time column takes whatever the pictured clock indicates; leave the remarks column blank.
9:54
